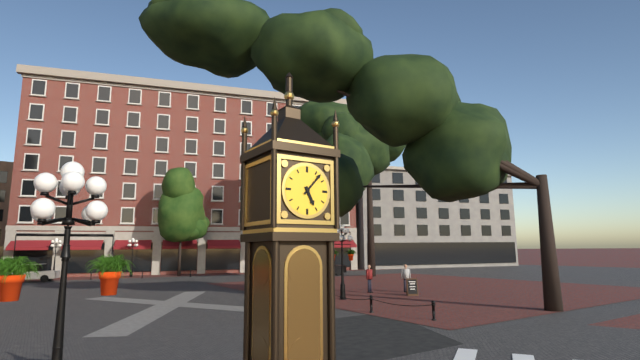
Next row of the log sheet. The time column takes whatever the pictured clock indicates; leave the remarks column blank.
5:07
